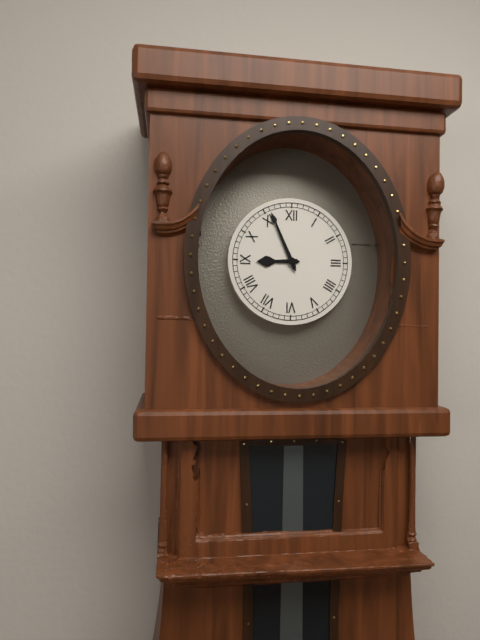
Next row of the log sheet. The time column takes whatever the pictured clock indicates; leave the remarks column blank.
8:56
